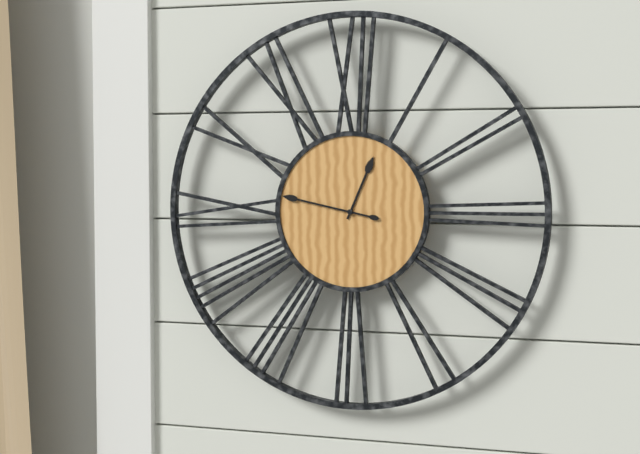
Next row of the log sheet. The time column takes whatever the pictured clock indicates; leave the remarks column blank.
12:47
